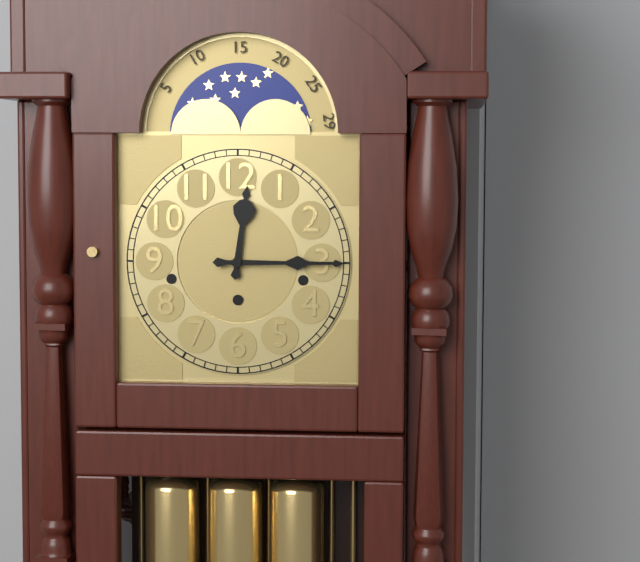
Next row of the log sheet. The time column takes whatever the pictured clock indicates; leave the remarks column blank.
12:15
